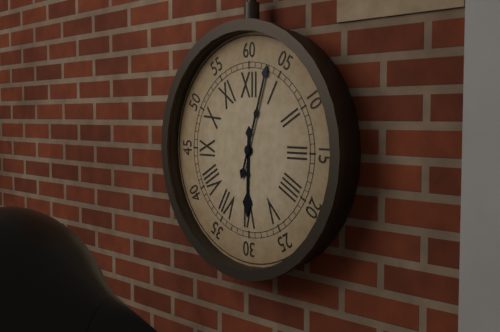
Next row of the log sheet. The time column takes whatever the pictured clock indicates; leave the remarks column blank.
6:03
